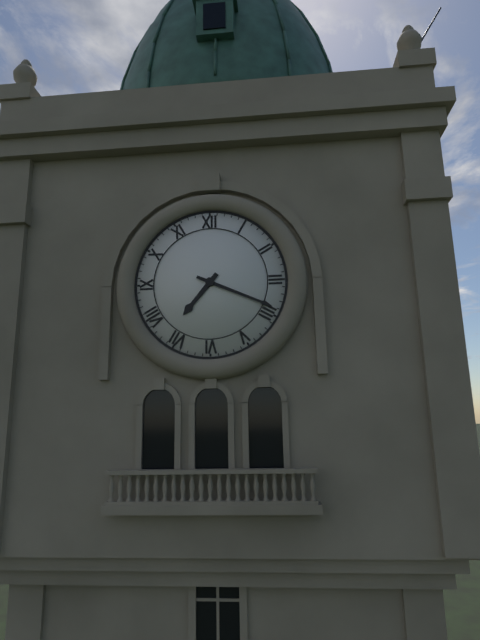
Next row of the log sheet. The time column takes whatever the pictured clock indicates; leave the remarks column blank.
7:19
